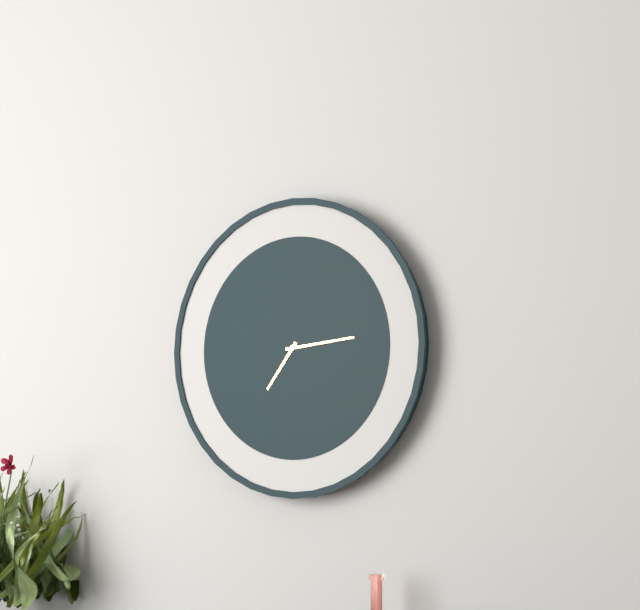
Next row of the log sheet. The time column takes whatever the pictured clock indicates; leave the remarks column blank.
7:14
